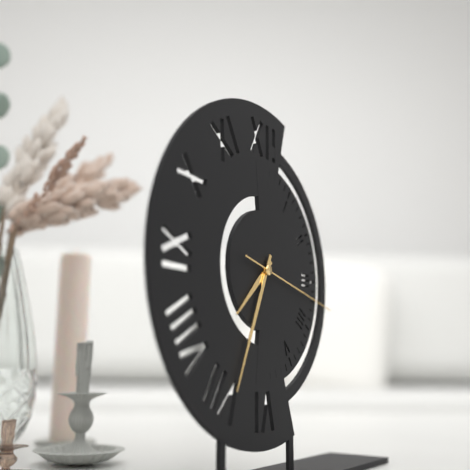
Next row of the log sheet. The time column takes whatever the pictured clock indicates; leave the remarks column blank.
7:34:17
